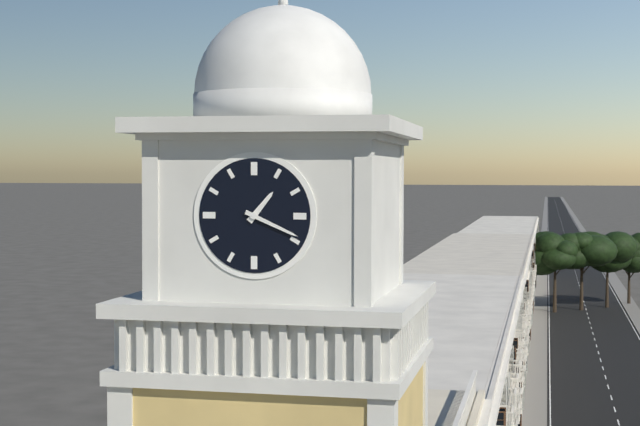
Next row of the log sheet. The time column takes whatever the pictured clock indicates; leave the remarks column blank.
1:19
